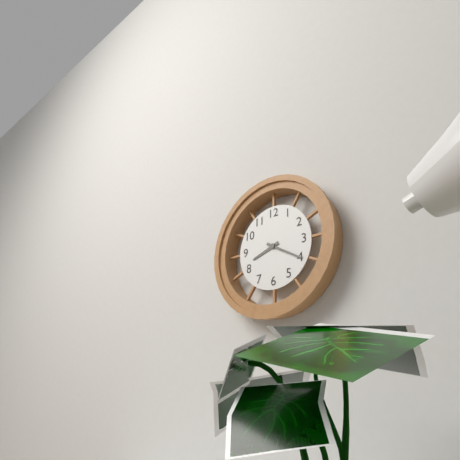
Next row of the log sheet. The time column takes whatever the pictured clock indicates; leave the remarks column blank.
8:20
